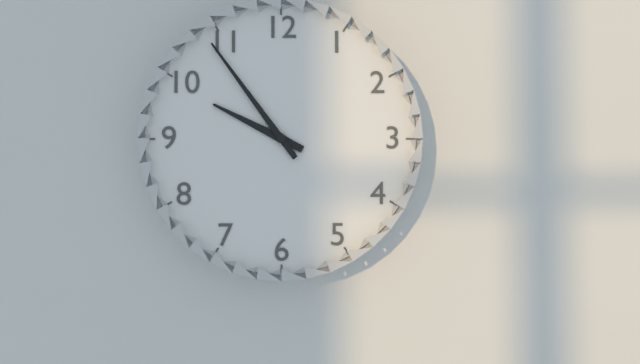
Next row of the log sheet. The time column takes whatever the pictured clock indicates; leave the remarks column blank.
9:54
